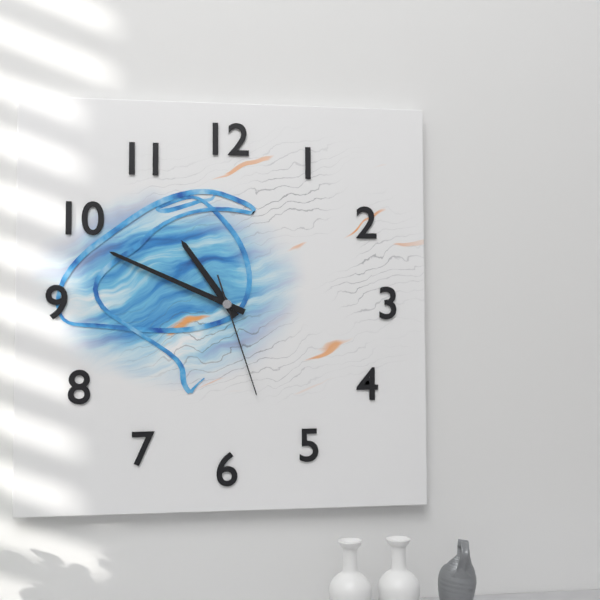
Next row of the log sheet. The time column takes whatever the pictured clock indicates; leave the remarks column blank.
10:49:27
